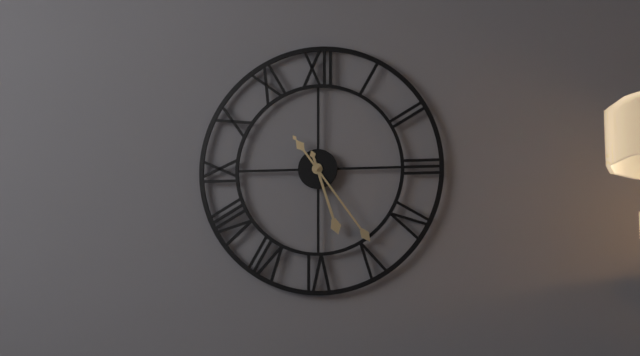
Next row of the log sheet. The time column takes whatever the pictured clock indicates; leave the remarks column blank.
5:24
